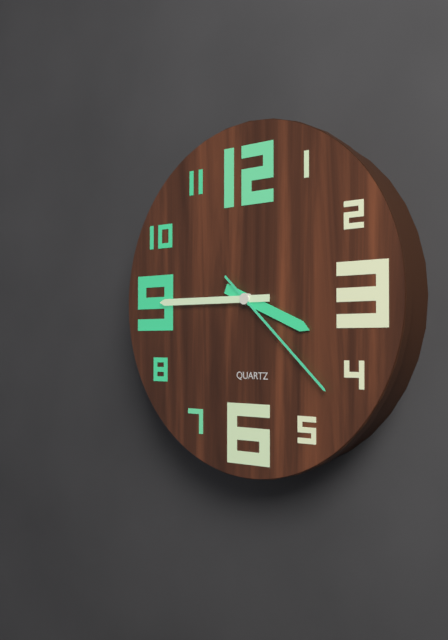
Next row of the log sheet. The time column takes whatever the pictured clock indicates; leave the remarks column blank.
3:45:22
